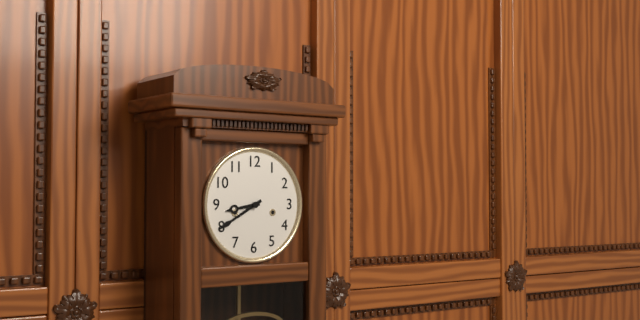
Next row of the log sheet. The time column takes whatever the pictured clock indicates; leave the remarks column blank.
8:40
